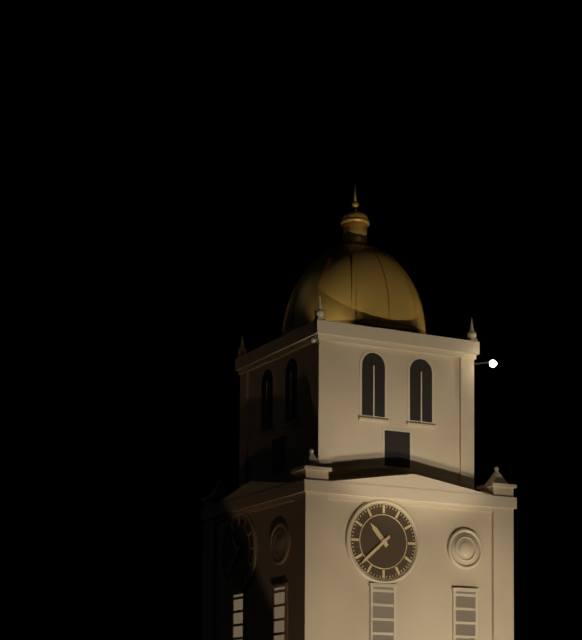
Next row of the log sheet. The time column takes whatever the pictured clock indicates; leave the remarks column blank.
10:38
